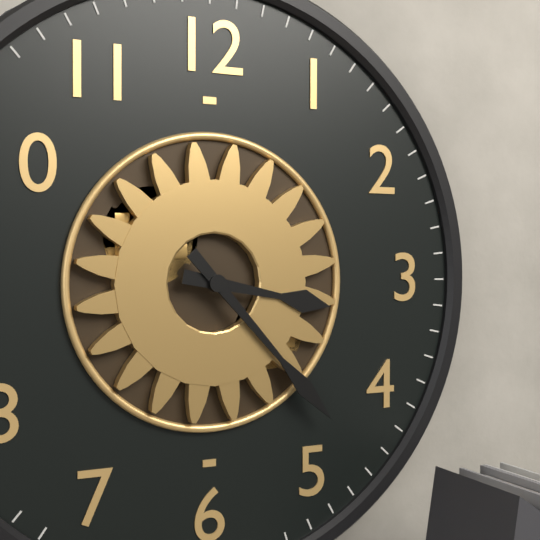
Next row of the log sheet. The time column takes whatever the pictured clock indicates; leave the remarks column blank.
3:23
